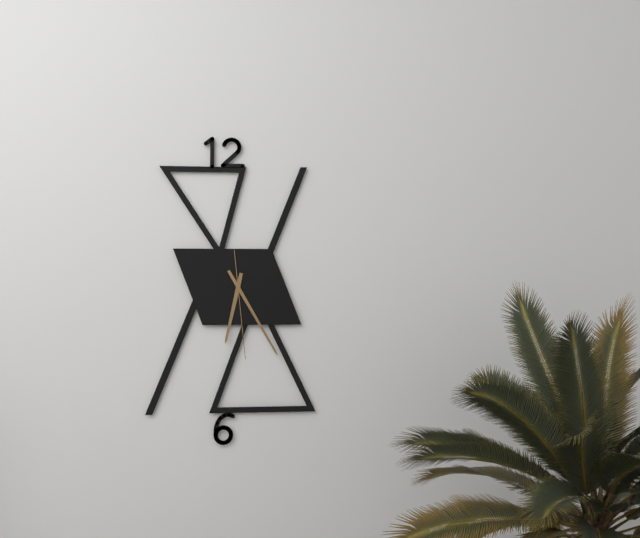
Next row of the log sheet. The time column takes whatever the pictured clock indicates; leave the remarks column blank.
6:25:29
